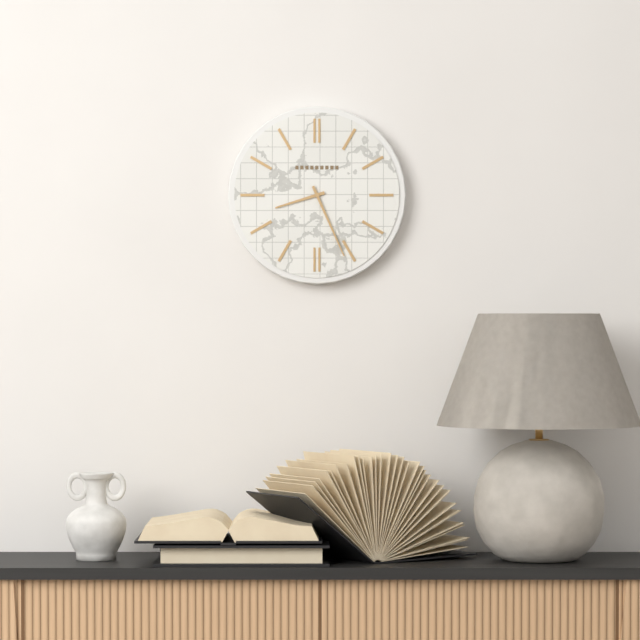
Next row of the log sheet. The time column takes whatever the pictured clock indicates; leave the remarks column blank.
8:26
